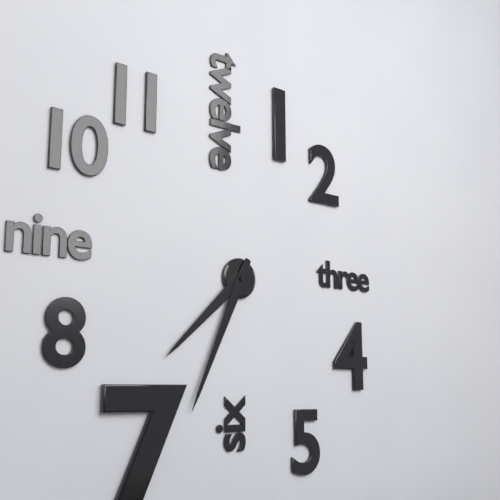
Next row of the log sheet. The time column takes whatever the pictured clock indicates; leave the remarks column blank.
7:34
